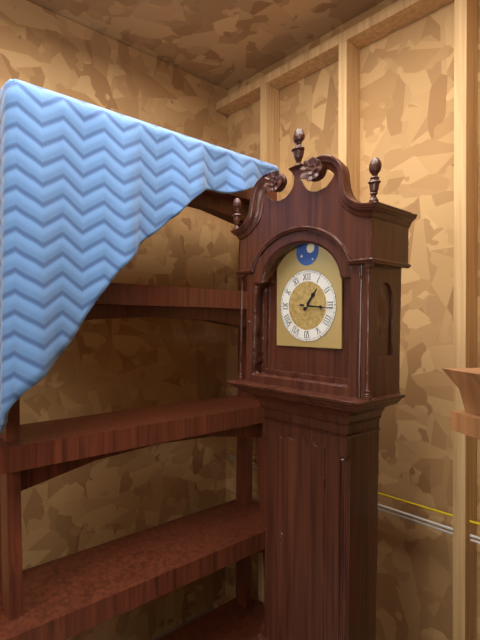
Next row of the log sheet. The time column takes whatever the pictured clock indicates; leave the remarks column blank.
1:16
